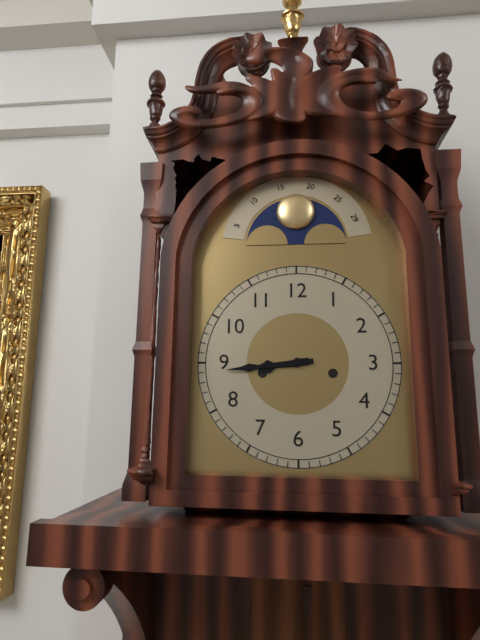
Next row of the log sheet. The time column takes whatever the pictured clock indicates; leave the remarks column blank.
8:44
